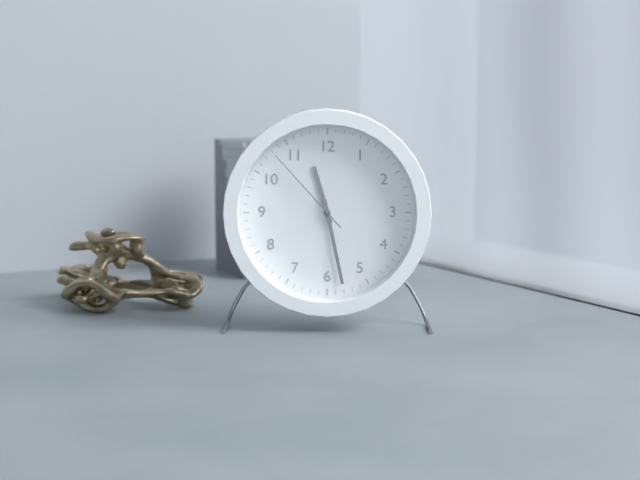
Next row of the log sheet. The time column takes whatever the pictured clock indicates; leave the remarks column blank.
11:28:53
